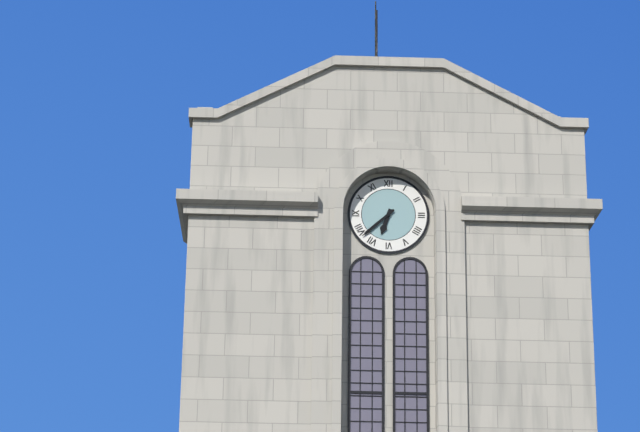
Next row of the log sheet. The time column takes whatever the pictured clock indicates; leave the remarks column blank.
6:38
